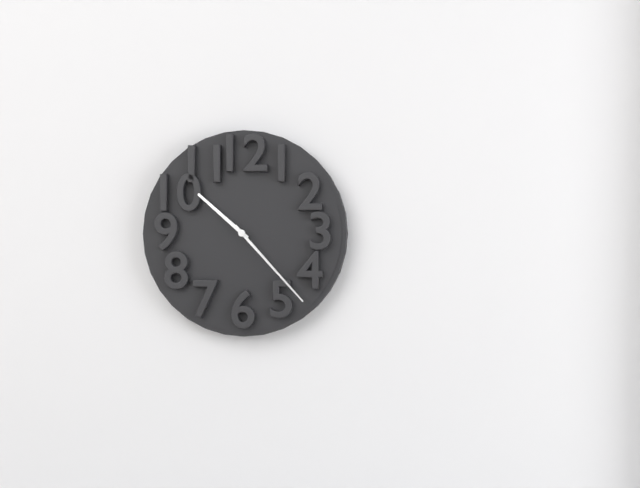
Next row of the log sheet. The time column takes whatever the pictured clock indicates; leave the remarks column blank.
10:23
